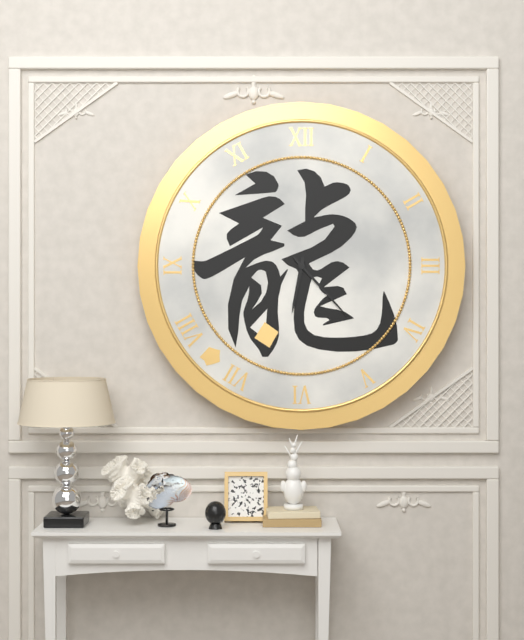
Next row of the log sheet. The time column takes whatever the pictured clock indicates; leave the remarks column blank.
6:23
